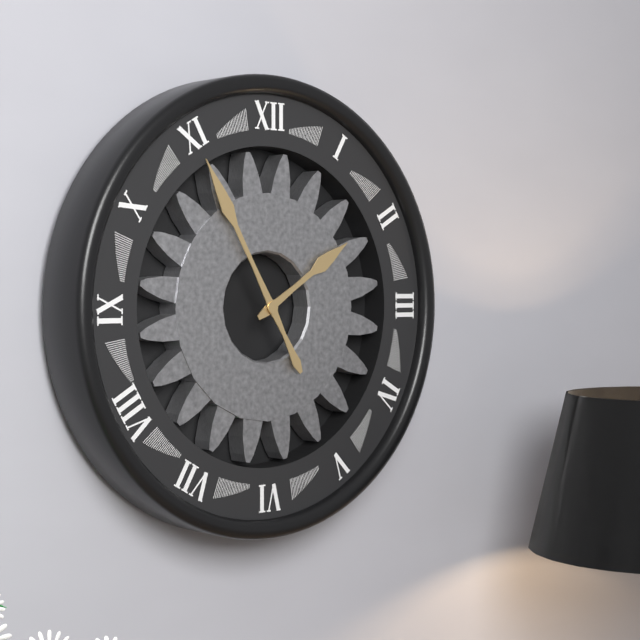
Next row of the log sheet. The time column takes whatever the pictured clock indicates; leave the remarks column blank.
1:55
